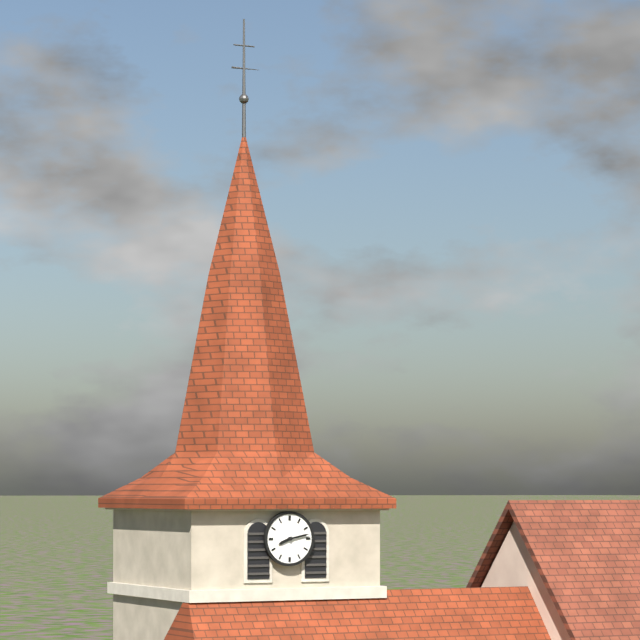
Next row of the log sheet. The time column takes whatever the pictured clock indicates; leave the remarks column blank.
8:13
